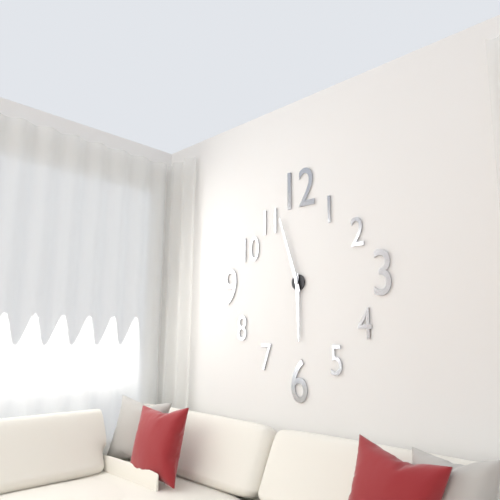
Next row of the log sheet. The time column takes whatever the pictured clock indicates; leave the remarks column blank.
5:57
